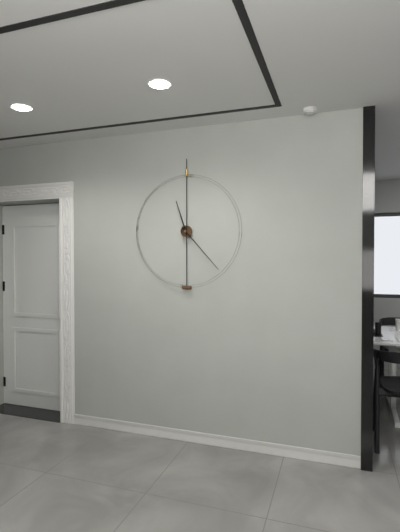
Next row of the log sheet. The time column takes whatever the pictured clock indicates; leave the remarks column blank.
11:23
